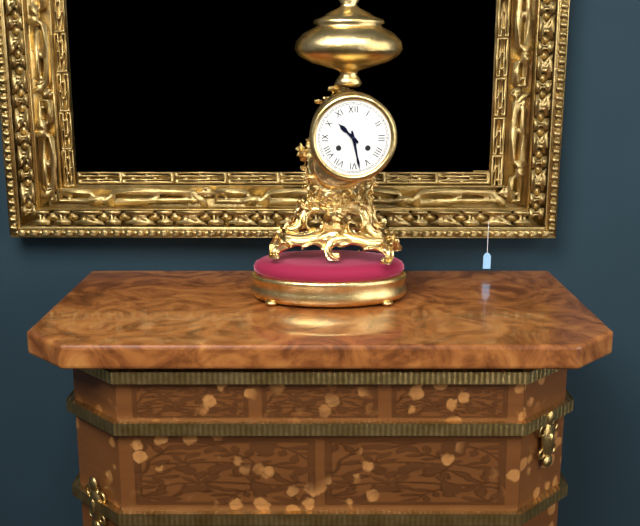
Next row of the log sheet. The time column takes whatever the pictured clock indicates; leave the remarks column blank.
10:28
